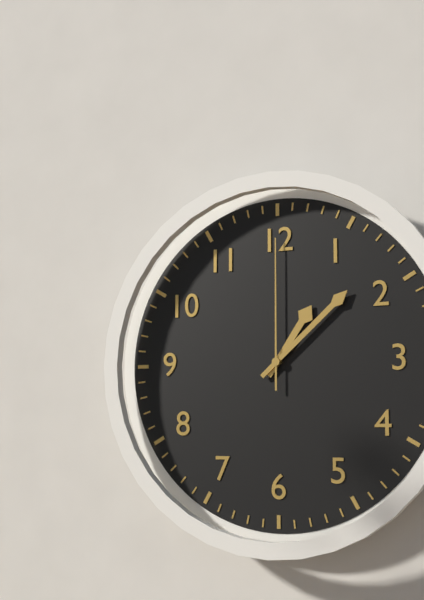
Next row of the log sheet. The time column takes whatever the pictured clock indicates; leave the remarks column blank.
1:08:00
